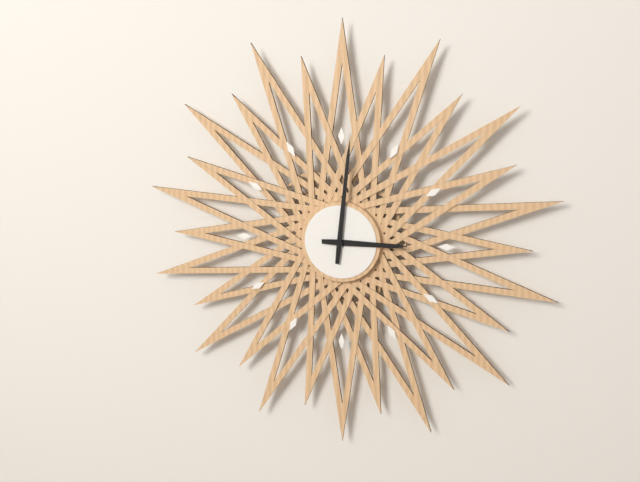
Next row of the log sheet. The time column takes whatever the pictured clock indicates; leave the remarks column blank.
3:01
